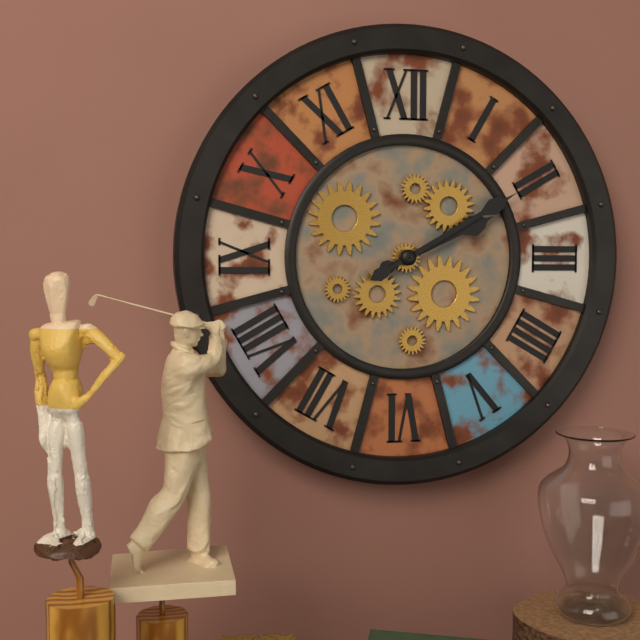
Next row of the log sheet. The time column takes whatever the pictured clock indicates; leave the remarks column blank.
2:10
